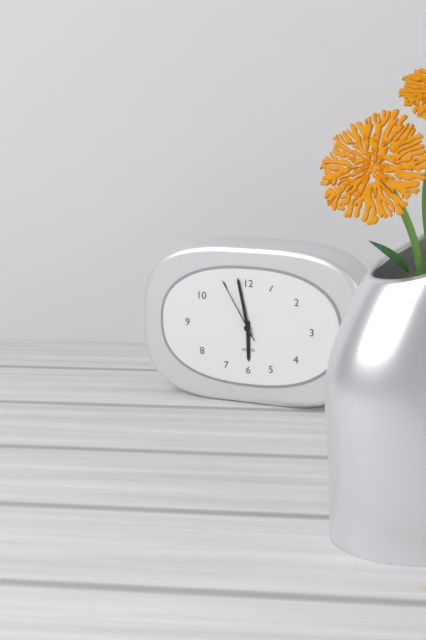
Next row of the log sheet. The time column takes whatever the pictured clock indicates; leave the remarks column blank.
5:58:55
